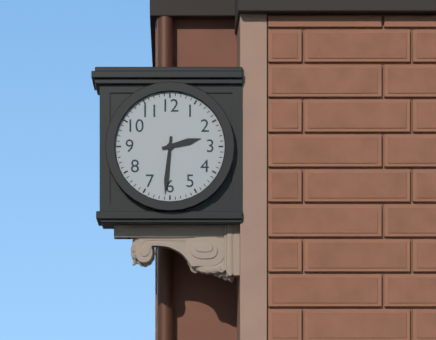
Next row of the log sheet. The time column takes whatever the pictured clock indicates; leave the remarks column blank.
2:31
